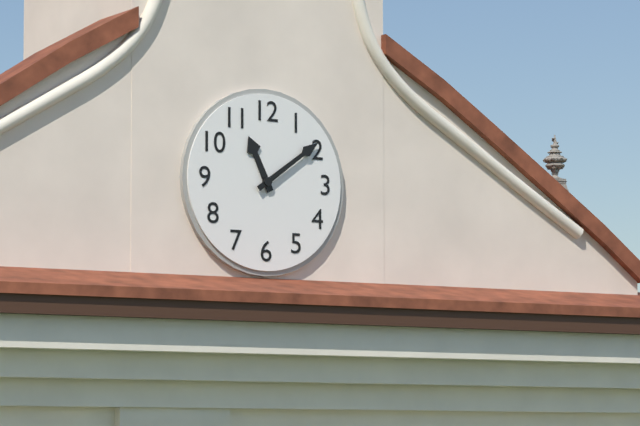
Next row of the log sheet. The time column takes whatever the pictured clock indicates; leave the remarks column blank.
11:09
